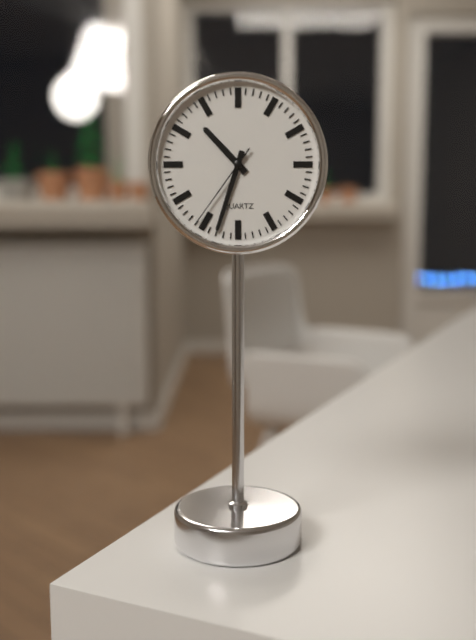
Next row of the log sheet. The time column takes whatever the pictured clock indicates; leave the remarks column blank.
10:33:36
